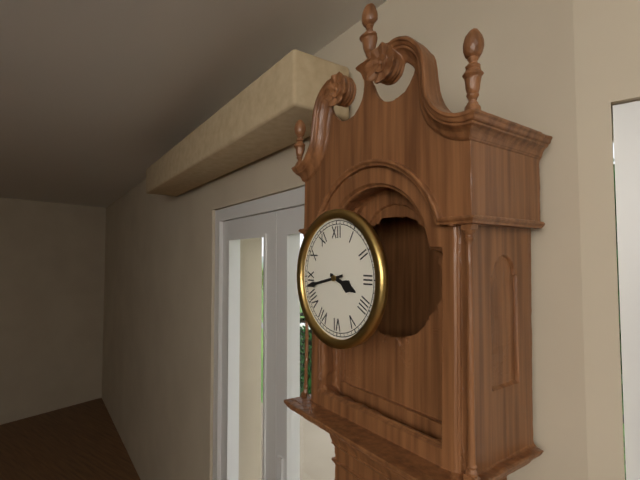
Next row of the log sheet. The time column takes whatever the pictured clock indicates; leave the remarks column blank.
3:43
